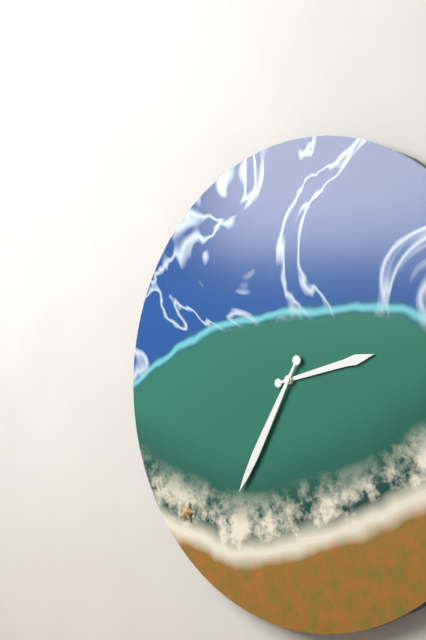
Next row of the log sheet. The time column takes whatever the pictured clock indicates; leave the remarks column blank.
2:35
